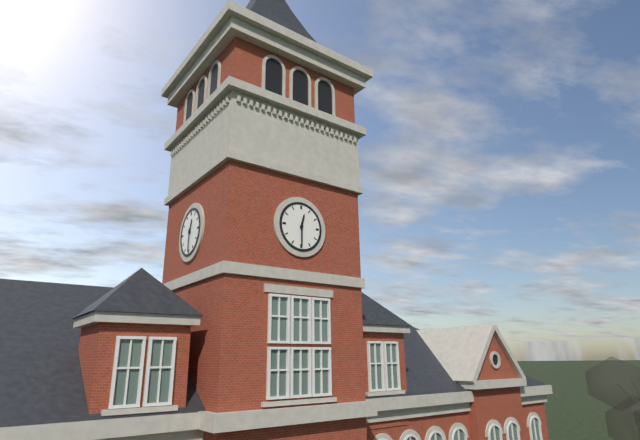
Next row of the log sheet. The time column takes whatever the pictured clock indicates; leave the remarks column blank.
12:30
